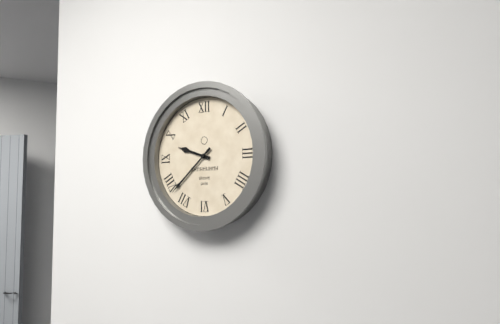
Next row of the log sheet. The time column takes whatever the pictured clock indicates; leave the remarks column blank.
9:38
